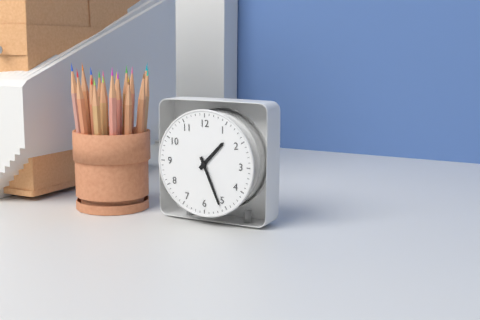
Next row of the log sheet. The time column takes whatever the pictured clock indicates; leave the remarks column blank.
1:26
